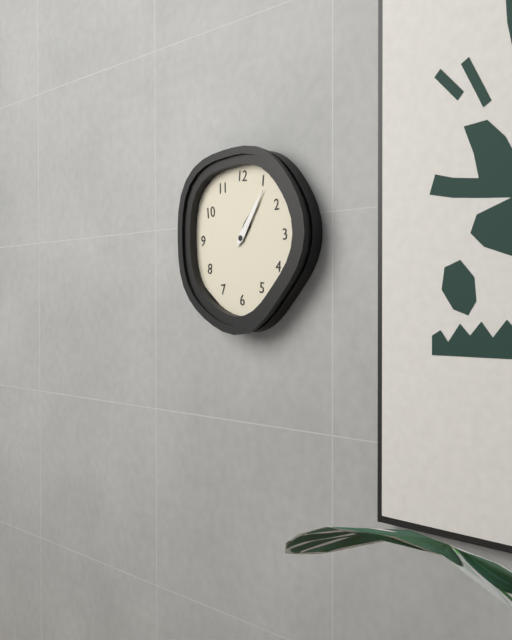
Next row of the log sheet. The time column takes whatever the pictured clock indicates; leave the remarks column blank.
1:06
